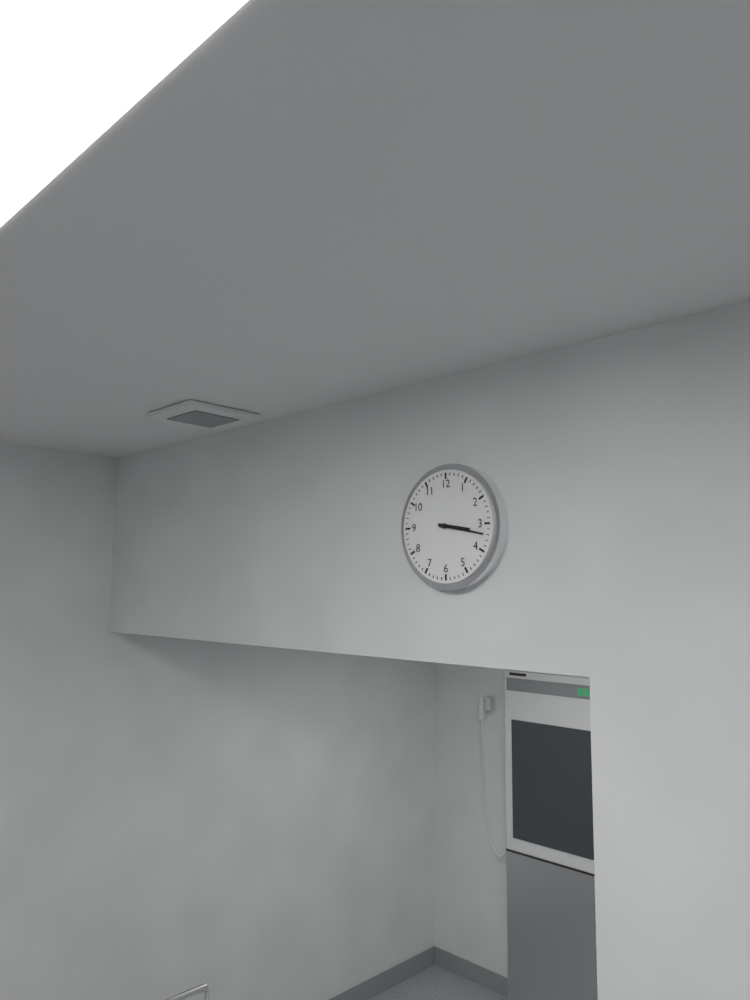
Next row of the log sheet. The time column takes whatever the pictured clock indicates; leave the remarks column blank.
3:17
